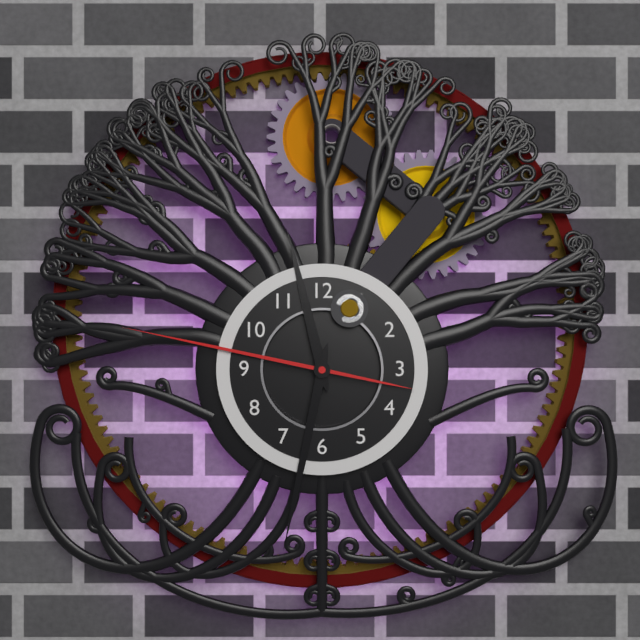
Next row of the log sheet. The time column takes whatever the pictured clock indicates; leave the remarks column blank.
11:32:47
